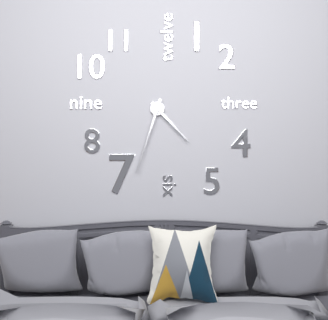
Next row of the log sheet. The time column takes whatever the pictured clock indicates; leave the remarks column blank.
4:33
